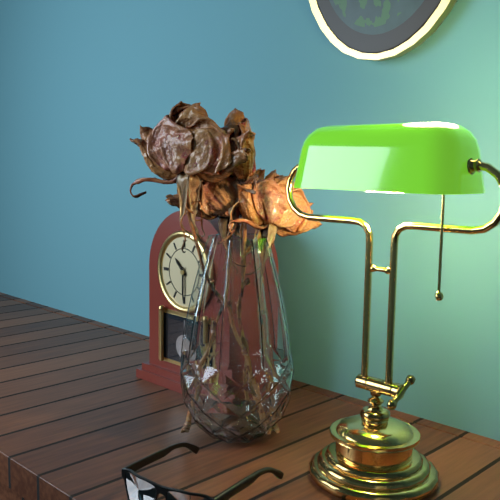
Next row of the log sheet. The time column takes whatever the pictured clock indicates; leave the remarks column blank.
10:30
